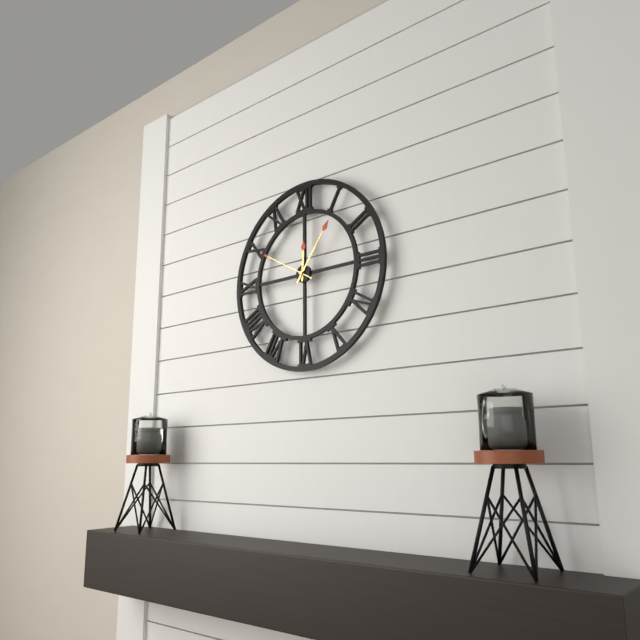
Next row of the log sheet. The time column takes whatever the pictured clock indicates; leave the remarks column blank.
12:06:50
